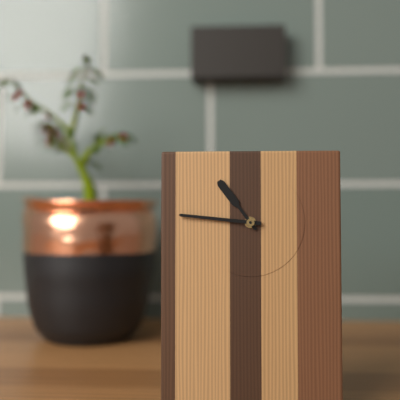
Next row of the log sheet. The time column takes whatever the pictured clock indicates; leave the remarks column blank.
10:46
